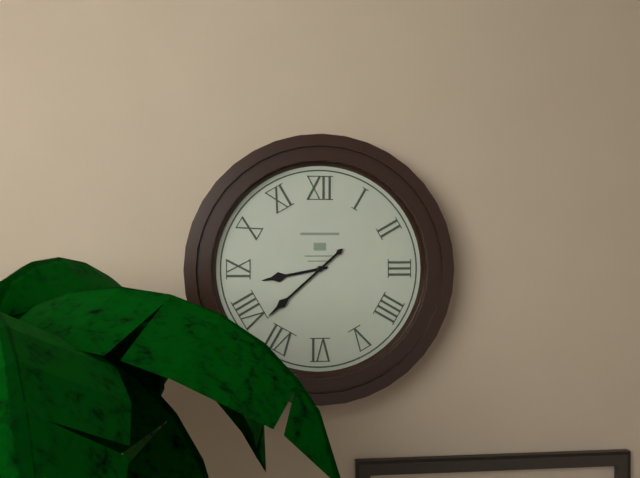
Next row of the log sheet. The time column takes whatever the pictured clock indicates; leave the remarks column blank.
8:38
